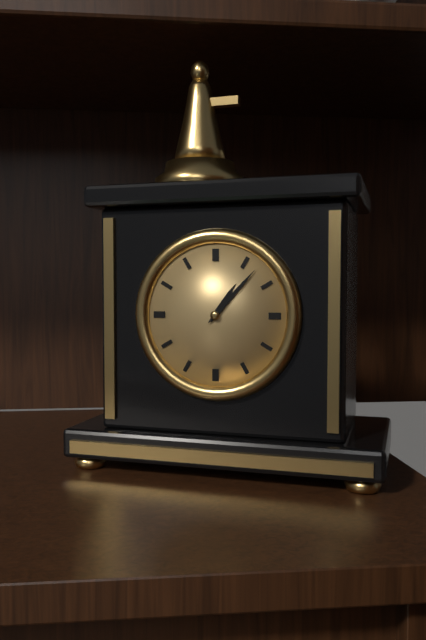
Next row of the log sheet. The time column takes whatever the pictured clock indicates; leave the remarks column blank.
1:07
